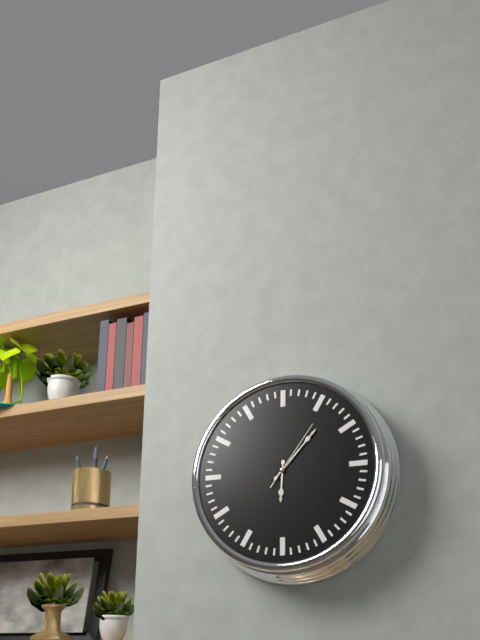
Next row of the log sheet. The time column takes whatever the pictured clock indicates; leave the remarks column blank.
6:07:06
